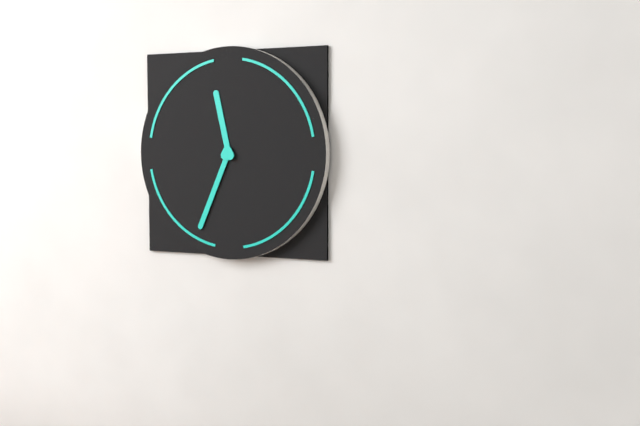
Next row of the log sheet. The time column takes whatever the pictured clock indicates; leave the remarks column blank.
11:34
